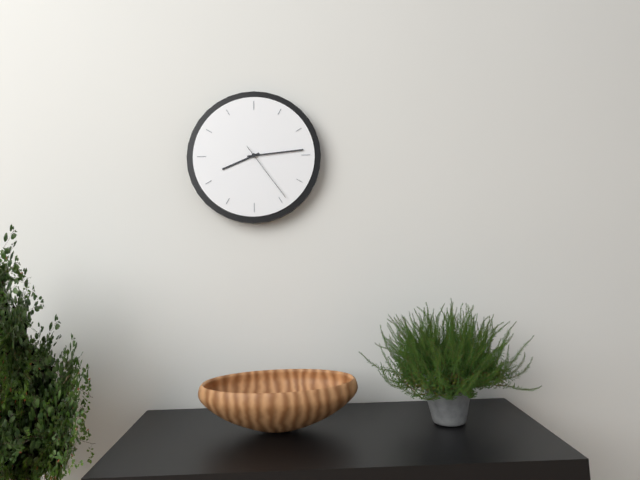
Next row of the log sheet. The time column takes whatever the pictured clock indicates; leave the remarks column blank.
8:14:24
